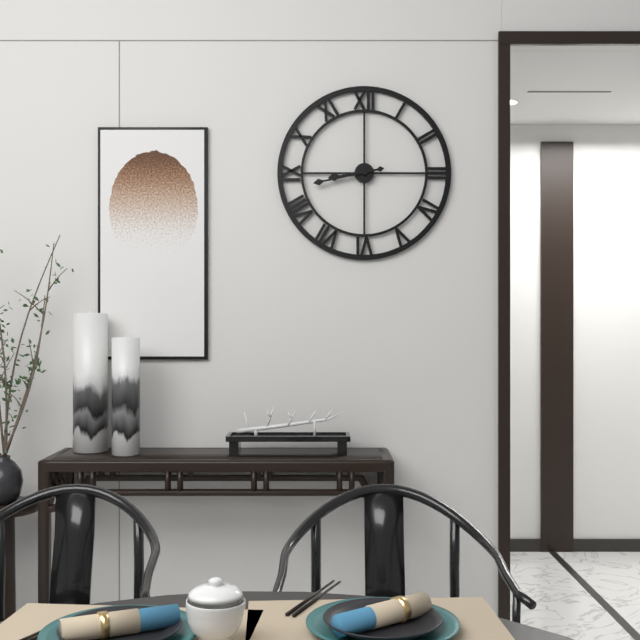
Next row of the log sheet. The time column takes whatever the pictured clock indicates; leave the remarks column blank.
8:43
